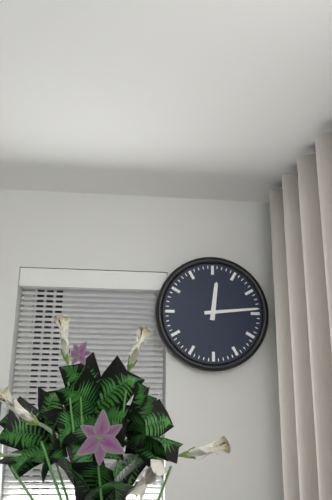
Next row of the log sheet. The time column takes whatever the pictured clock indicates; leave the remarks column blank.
12:14
